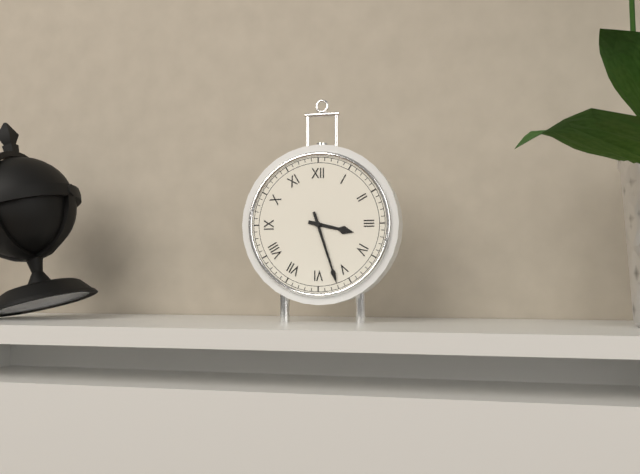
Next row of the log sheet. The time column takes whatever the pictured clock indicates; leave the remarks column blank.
3:27
